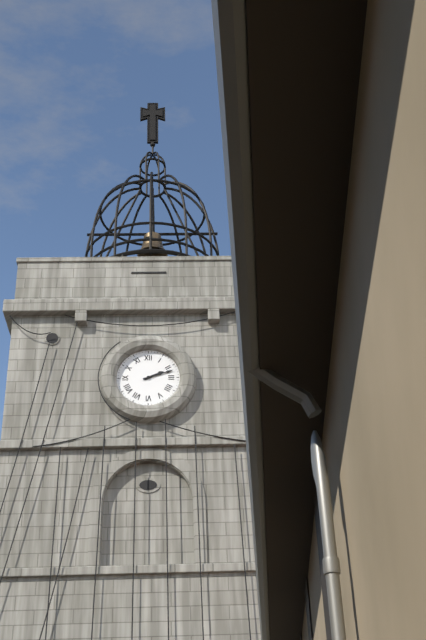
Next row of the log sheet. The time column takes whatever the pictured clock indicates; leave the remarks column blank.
2:12
